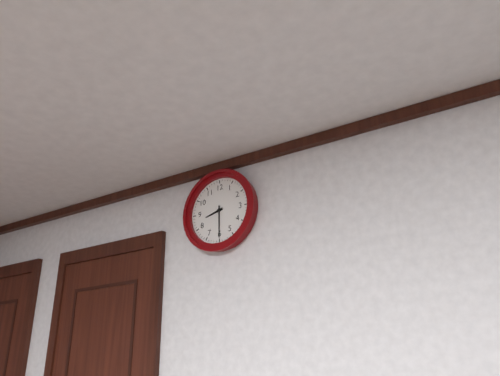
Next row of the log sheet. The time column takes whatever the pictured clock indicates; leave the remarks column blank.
8:30
